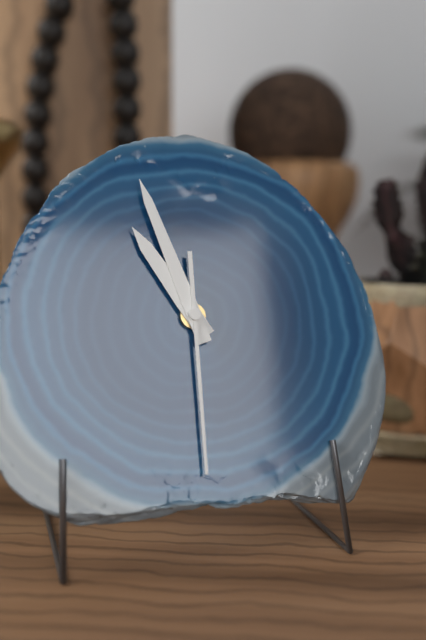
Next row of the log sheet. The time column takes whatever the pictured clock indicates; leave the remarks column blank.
10:57:30
